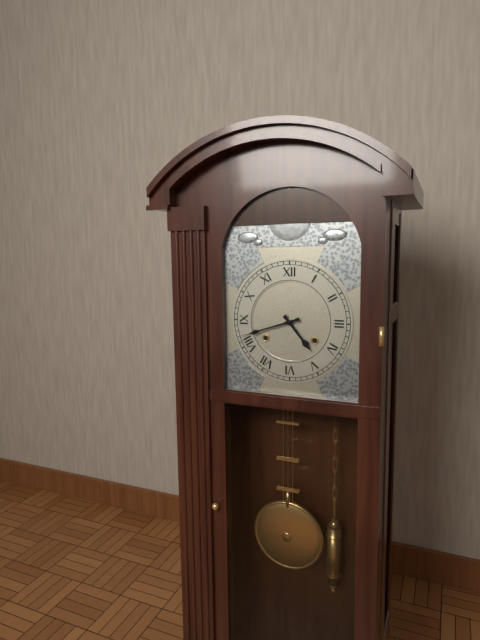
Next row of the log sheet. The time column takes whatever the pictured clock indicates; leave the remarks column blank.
4:42
